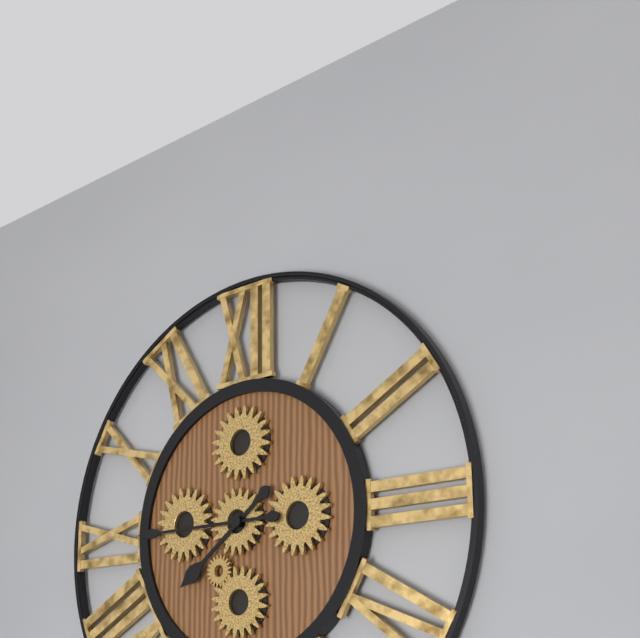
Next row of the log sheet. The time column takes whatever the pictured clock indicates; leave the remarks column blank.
7:45
